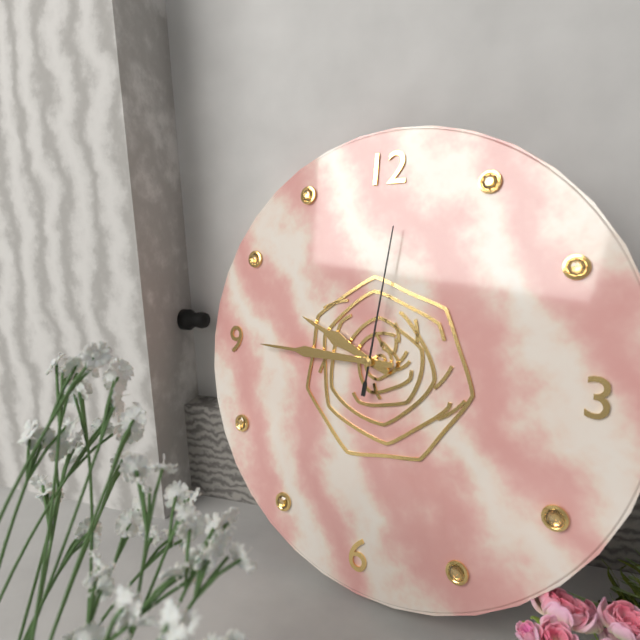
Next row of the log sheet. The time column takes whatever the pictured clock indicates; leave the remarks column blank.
9:45:01
